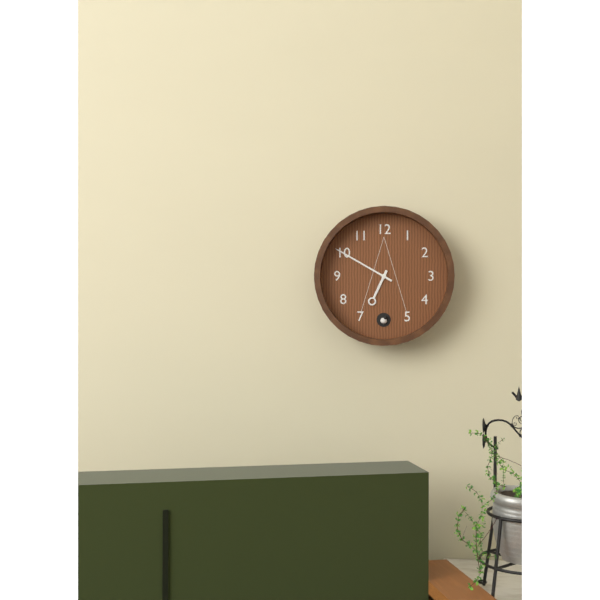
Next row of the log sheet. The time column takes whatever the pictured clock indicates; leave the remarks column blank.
6:50
